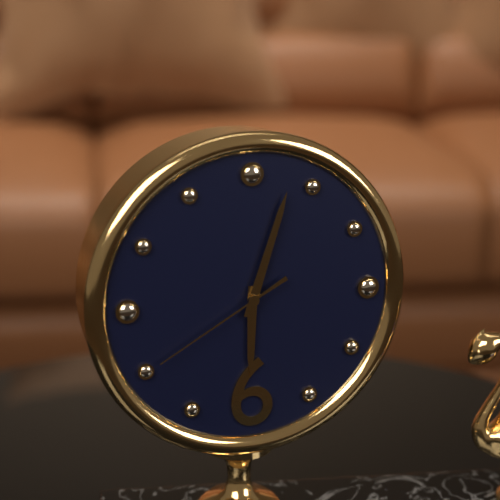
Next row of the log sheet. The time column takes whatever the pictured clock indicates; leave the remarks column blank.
6:03:40
